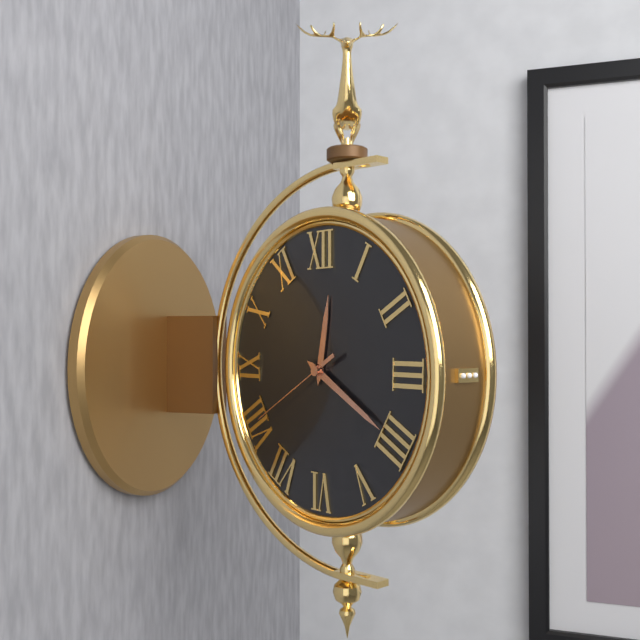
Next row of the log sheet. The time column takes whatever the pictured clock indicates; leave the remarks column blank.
12:20:40
